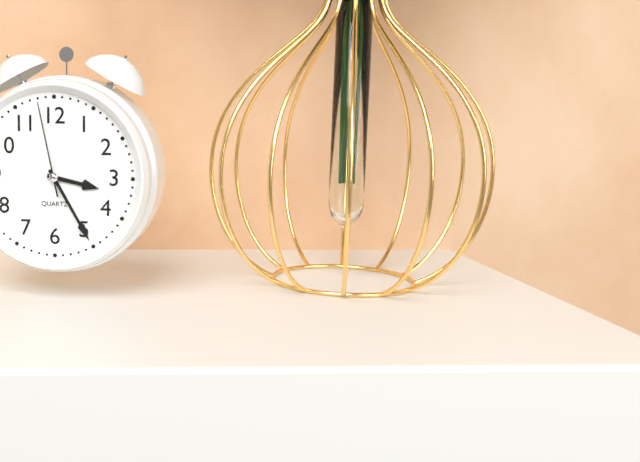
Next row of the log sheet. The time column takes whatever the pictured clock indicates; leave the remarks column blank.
3:25:58
